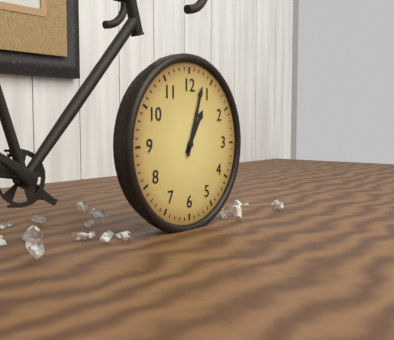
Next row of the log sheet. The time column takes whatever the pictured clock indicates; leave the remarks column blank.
1:03
